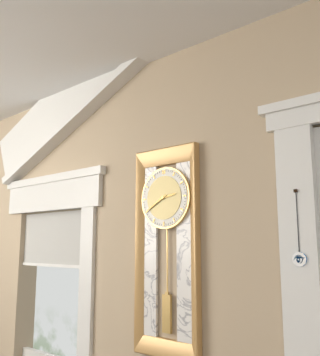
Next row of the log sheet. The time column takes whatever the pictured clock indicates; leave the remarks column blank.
2:40
